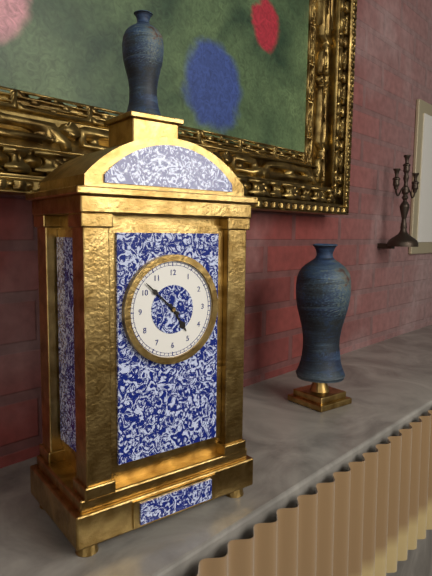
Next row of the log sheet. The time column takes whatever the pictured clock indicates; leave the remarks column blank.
4:52
